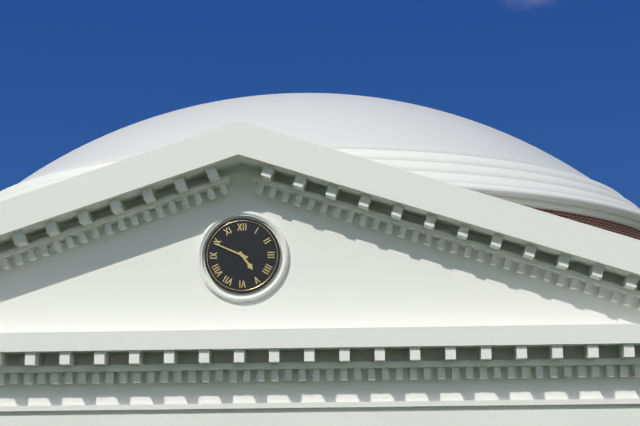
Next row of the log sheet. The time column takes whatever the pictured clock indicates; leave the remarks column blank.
4:49
